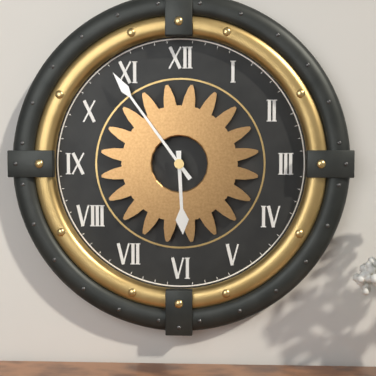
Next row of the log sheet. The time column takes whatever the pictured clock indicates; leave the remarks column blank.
5:54
